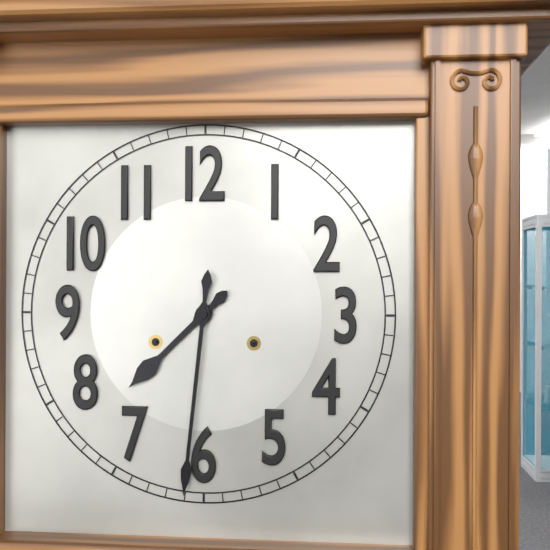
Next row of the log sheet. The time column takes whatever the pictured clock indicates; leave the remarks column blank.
7:31
